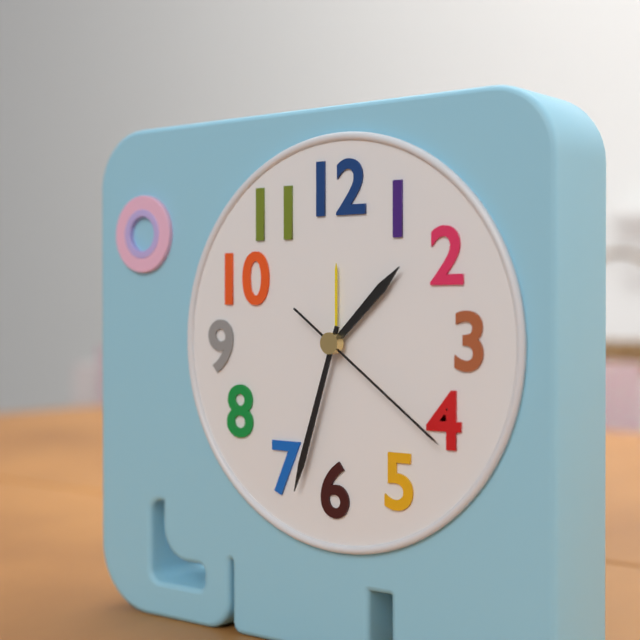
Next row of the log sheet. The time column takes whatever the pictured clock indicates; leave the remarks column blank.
1:33:21
